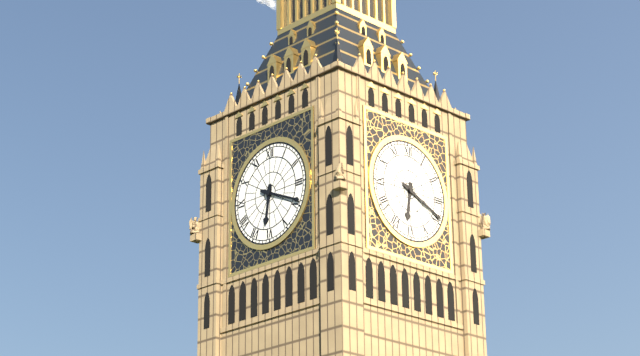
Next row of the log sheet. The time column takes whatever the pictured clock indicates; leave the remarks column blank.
6:19
